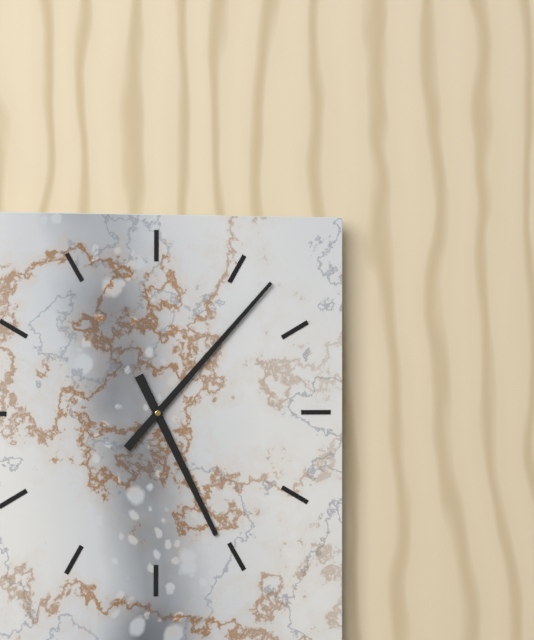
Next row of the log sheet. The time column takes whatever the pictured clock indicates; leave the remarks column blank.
5:07
